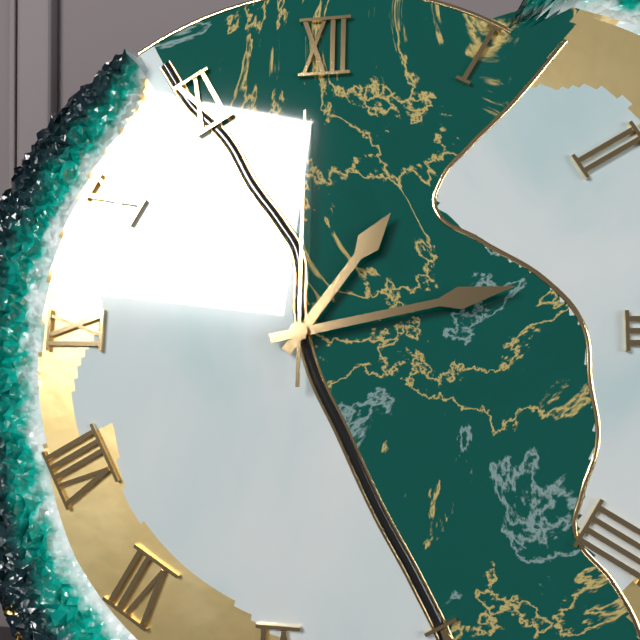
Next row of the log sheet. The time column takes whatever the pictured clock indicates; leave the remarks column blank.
1:13:00
